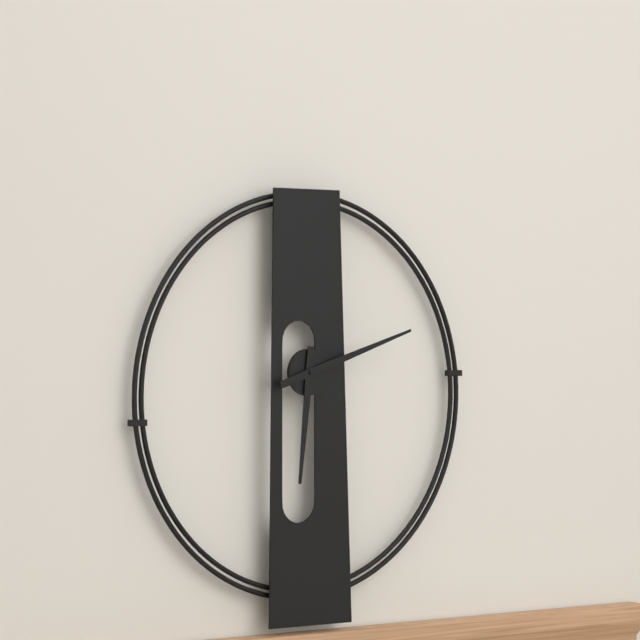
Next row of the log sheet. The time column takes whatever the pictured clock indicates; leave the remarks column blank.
6:12
